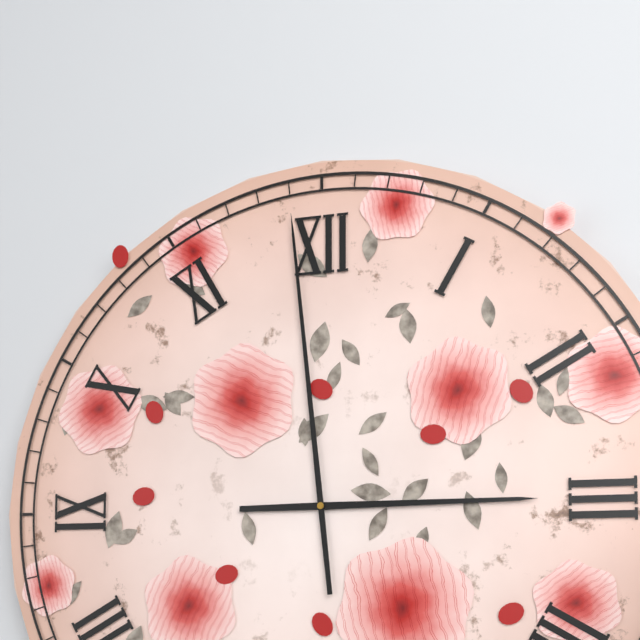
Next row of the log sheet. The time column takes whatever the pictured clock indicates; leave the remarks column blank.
2:59
